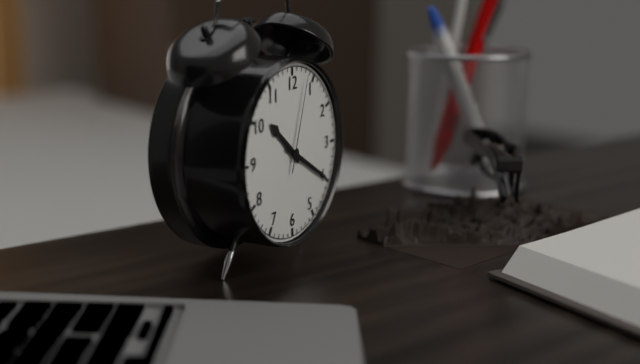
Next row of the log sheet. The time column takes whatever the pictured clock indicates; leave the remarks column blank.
10:20:03
